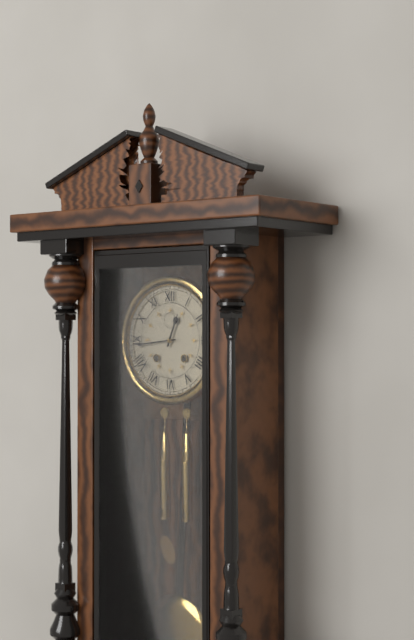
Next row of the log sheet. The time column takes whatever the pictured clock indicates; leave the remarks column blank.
12:44
